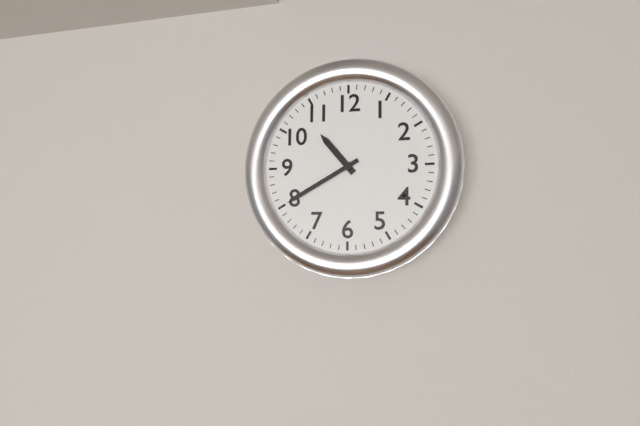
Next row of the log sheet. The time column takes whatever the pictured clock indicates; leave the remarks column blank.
10:40
